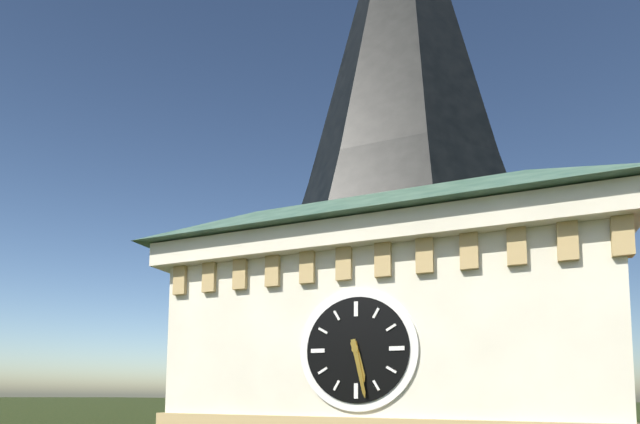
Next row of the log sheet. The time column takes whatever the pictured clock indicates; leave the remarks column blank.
5:28
